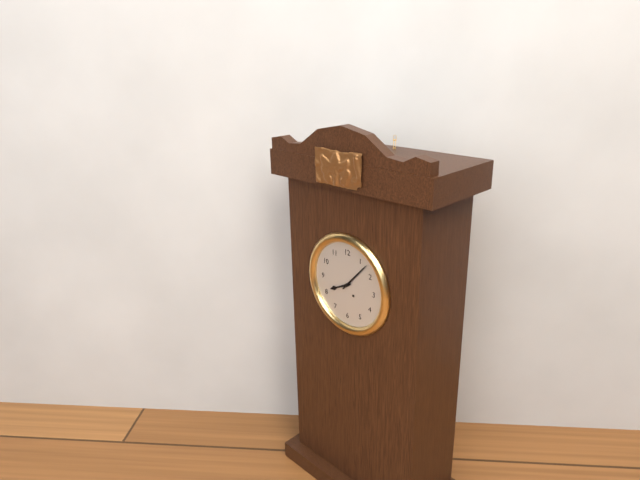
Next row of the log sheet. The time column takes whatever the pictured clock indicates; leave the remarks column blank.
8:07
